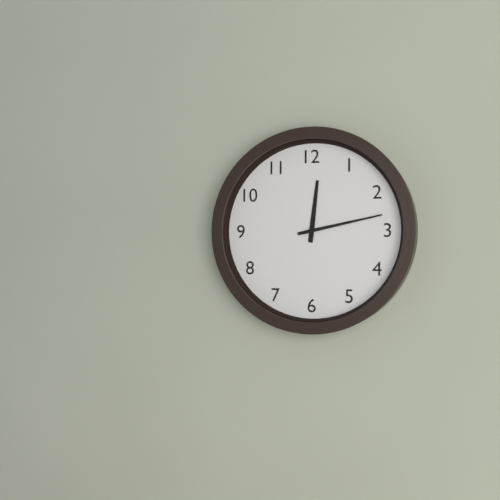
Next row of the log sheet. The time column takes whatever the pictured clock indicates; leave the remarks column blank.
12:13
